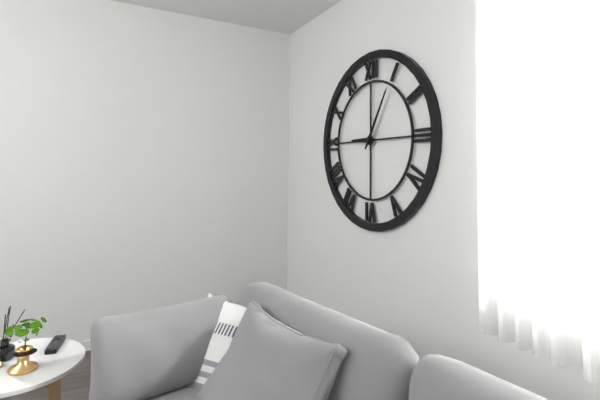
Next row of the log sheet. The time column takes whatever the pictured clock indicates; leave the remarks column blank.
9:05
